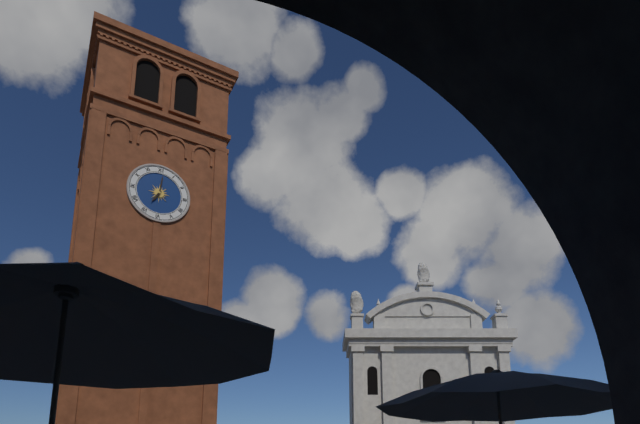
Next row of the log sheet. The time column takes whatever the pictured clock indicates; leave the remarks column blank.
7:01
